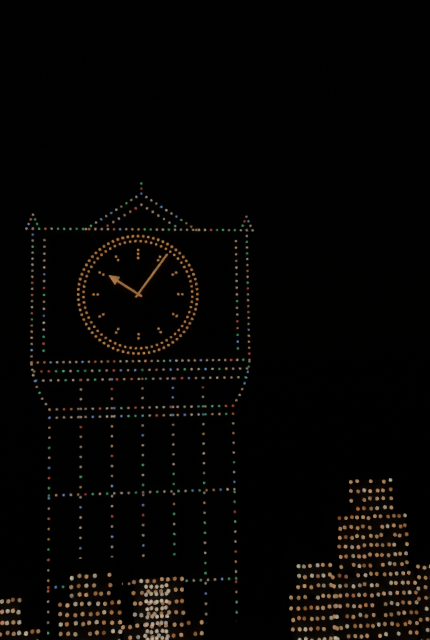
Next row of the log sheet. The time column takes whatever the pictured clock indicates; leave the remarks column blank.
10:06
